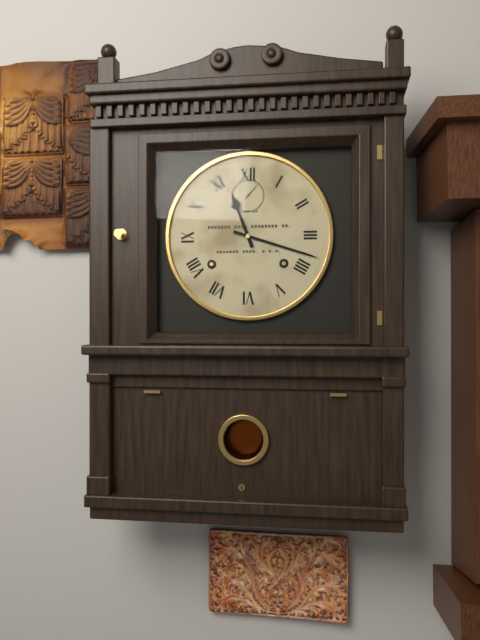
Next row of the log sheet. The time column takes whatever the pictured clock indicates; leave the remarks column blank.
11:18
